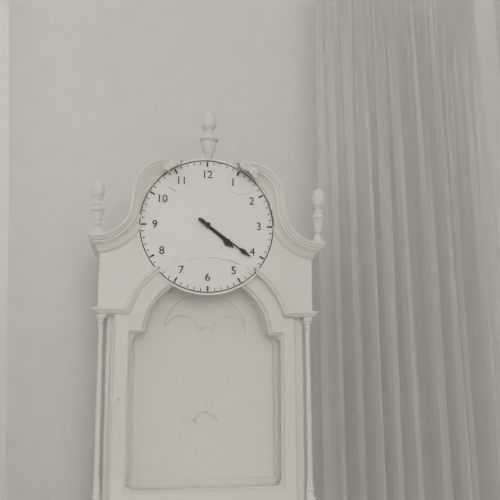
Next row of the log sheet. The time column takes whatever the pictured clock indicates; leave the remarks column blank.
4:21
